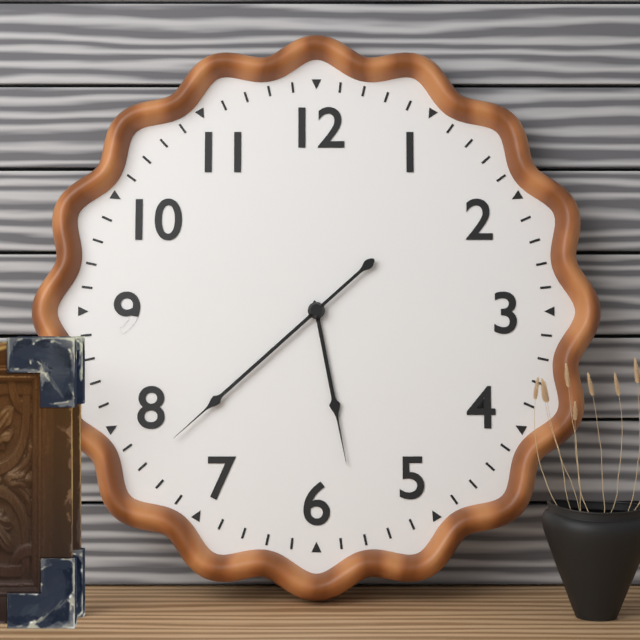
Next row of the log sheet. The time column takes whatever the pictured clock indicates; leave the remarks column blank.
5:38
